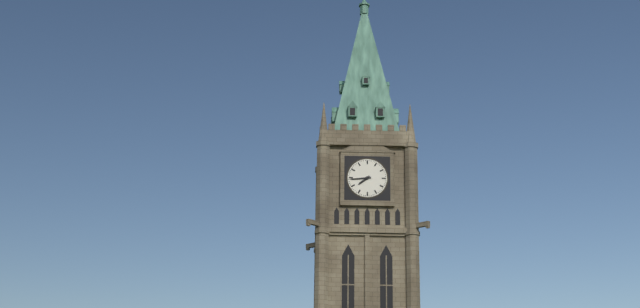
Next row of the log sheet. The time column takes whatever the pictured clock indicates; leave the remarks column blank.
7:44
